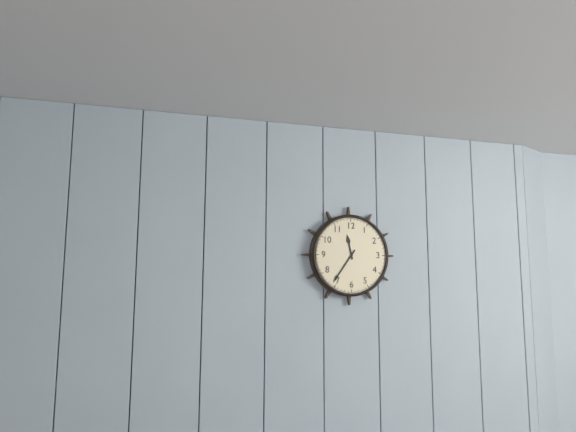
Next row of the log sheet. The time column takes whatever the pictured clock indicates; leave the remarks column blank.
11:36
